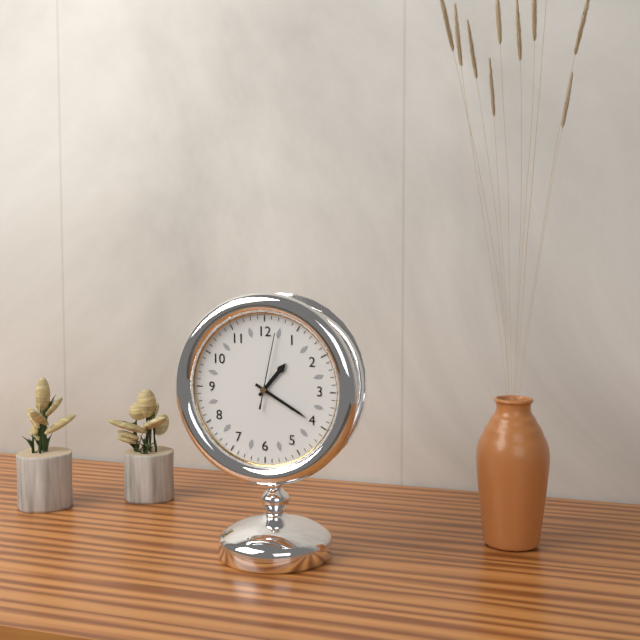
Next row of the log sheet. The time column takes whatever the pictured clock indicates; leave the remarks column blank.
1:20:02
